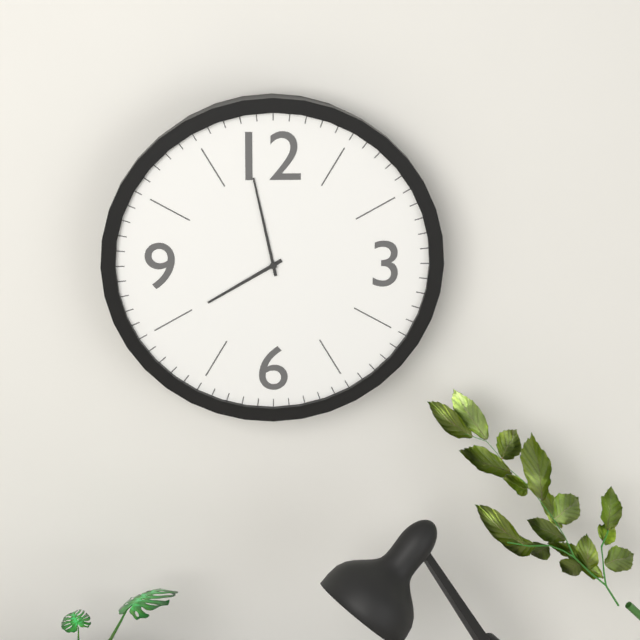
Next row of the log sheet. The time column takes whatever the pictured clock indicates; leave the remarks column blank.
7:58
